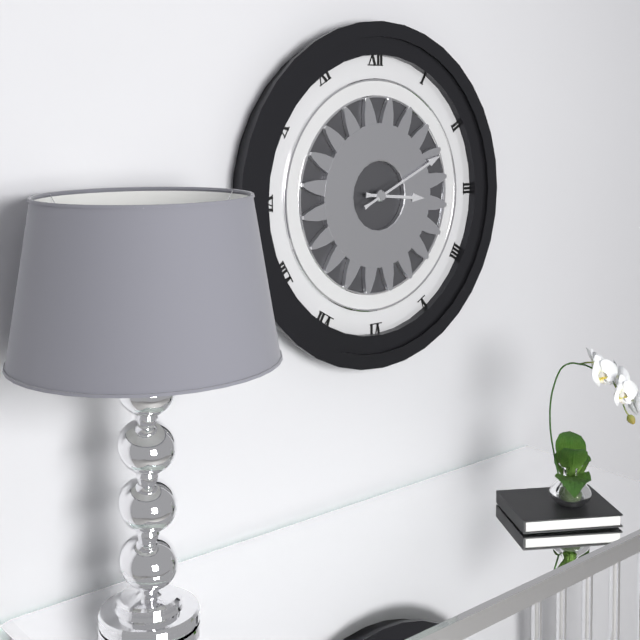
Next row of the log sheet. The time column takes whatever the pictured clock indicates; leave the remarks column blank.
3:11
